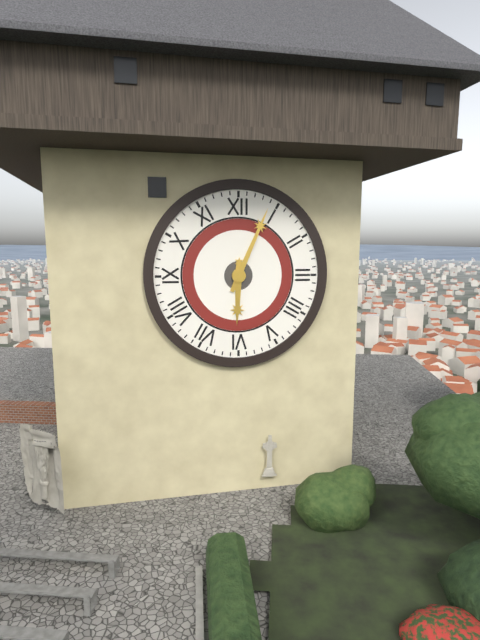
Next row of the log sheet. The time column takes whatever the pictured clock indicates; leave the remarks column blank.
6:04
